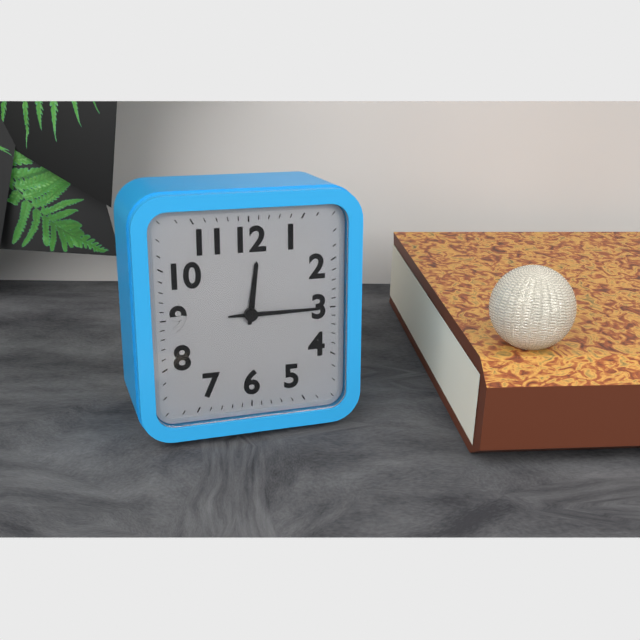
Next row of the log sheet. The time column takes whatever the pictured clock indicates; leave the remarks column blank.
12:15
